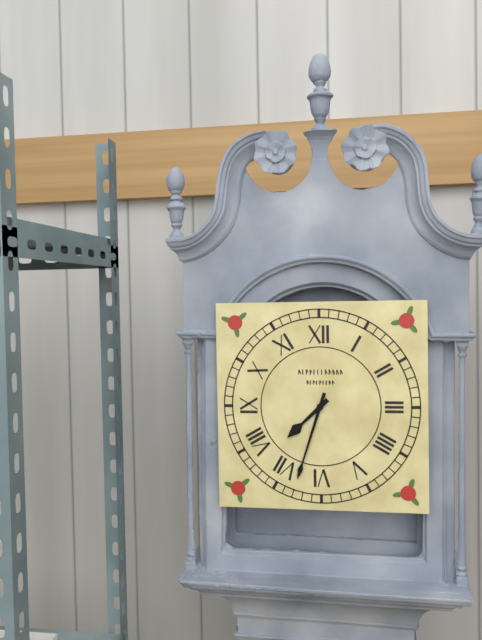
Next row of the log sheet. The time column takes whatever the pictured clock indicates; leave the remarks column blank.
7:33
